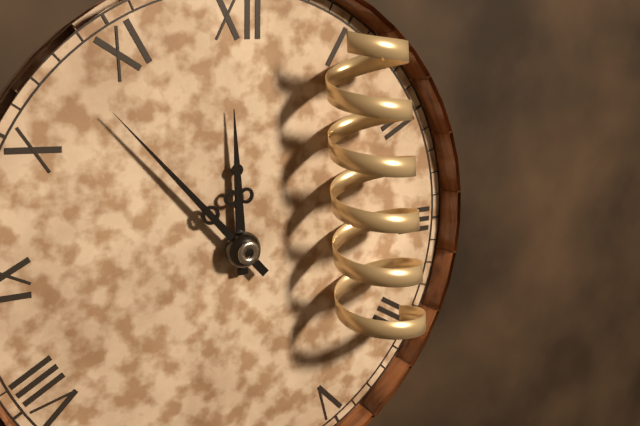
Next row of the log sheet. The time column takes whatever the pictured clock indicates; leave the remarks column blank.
11:53
